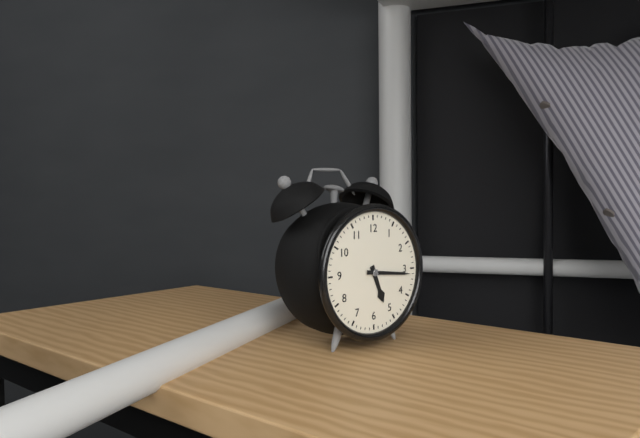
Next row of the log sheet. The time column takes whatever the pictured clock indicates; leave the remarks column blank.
5:16
